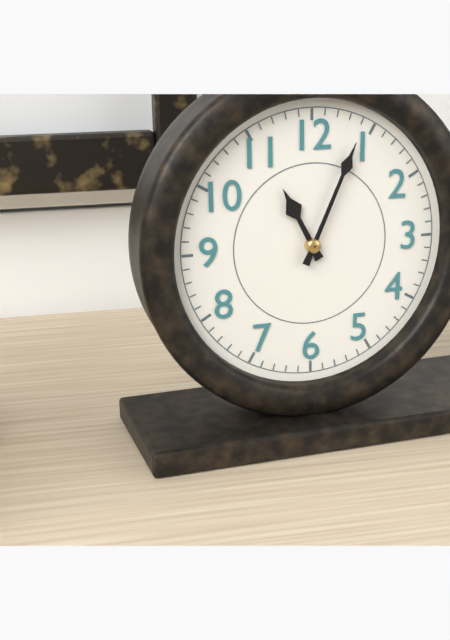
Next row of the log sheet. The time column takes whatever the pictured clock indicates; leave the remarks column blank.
11:04
